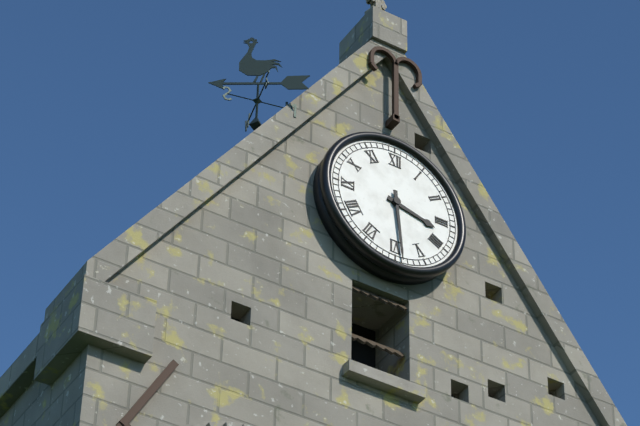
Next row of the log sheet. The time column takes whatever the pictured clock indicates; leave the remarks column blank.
3:29
